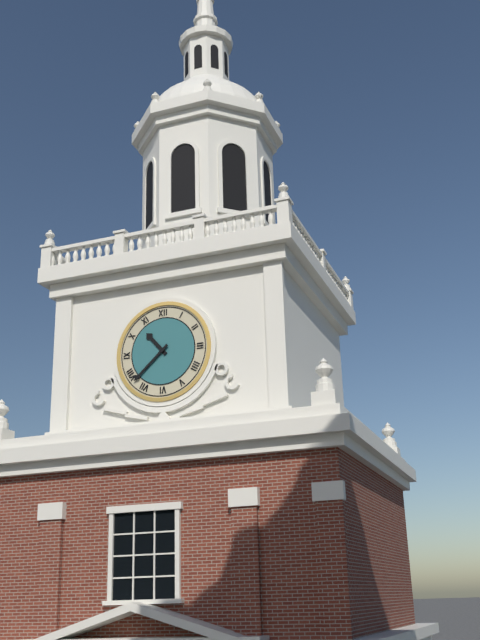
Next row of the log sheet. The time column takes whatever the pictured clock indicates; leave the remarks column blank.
10:38
